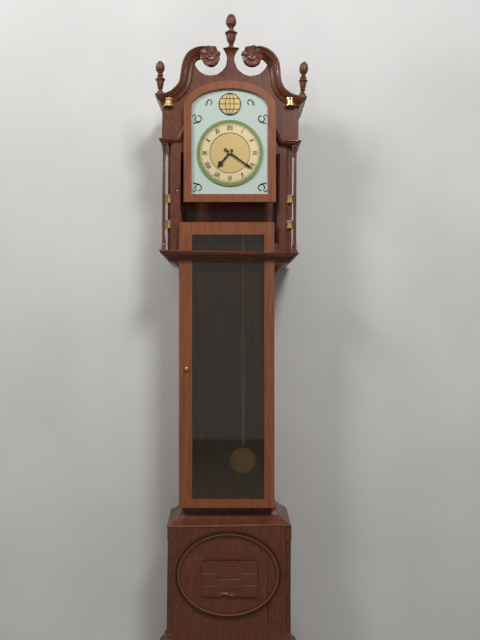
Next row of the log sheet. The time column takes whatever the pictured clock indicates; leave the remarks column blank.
7:21
